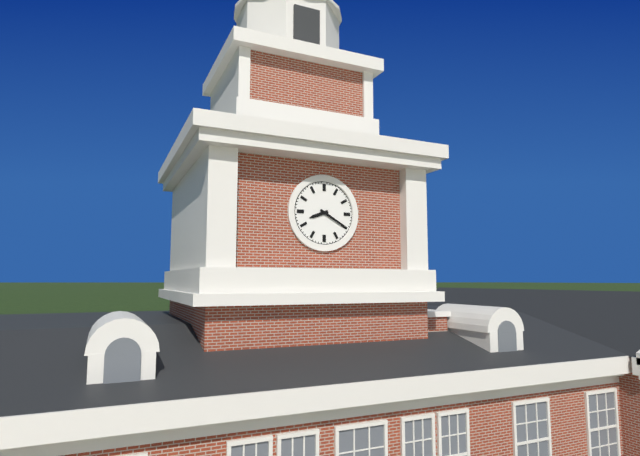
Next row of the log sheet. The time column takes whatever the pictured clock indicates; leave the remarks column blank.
8:20
